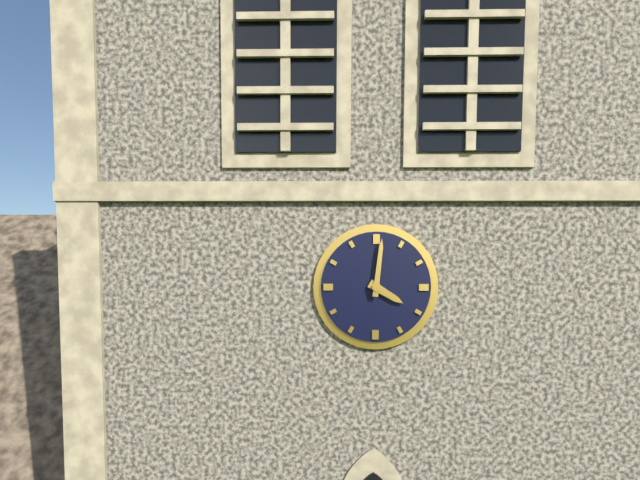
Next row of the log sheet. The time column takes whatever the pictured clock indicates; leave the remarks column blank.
4:01
